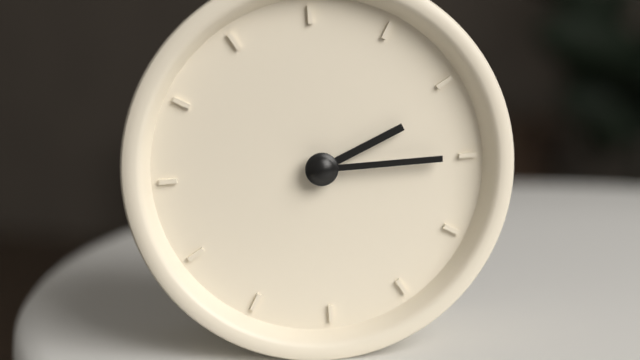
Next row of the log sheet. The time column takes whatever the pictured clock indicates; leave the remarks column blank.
2:15
